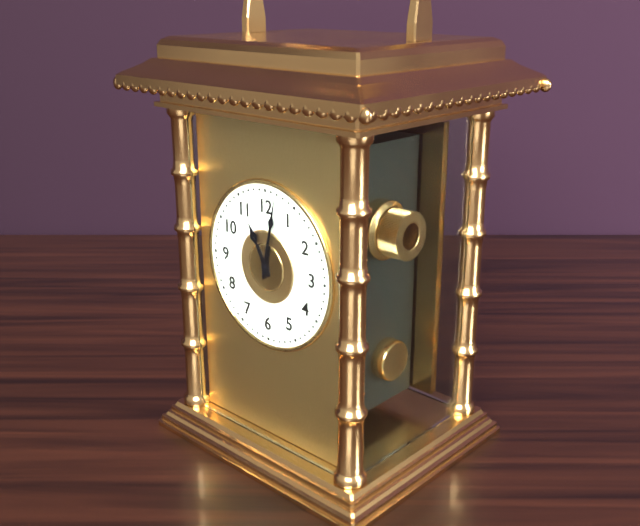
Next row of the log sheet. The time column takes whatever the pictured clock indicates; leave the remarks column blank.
11:02
